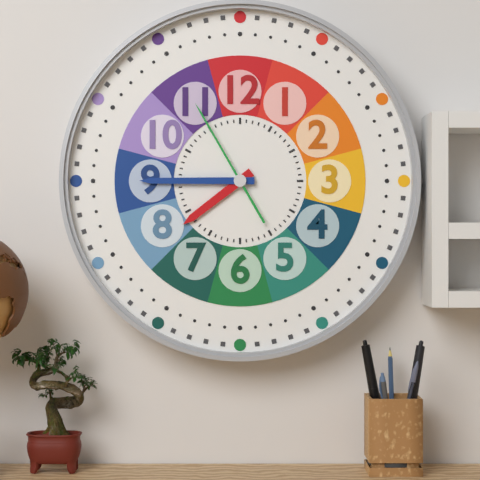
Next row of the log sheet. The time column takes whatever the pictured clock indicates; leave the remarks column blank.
7:45:55
